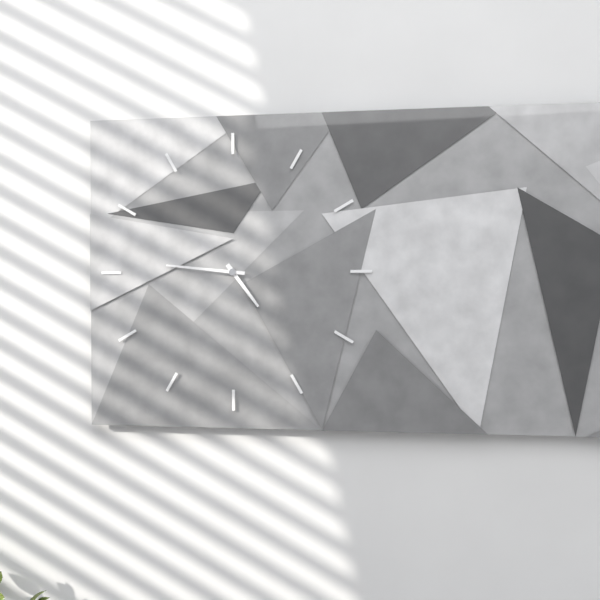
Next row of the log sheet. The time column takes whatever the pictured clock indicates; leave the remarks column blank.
4:46
